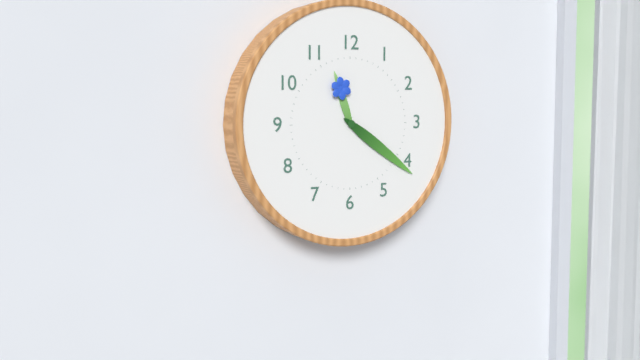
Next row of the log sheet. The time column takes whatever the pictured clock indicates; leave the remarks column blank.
11:21
